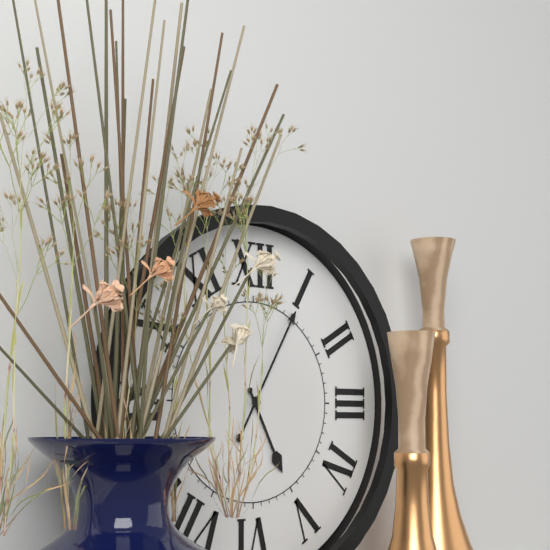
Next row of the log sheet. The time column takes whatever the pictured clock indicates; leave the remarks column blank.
5:05
